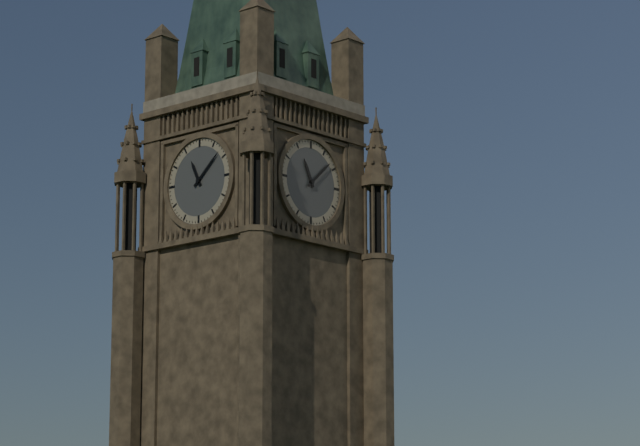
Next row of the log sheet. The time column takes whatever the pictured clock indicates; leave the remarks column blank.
11:08
